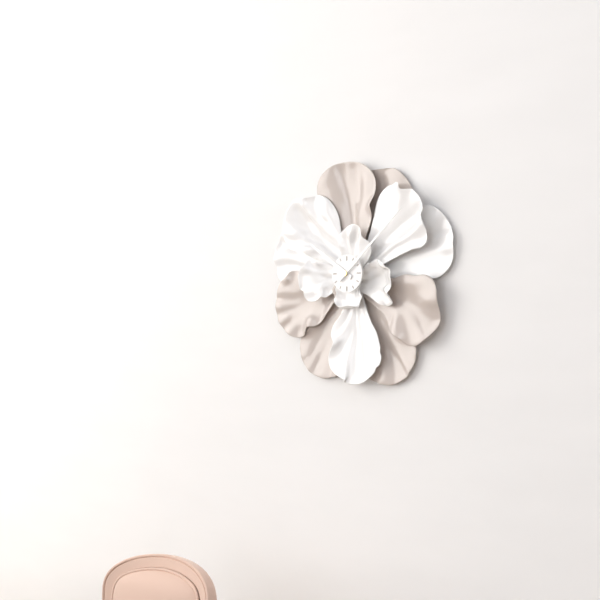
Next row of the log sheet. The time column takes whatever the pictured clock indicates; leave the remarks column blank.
10:08
